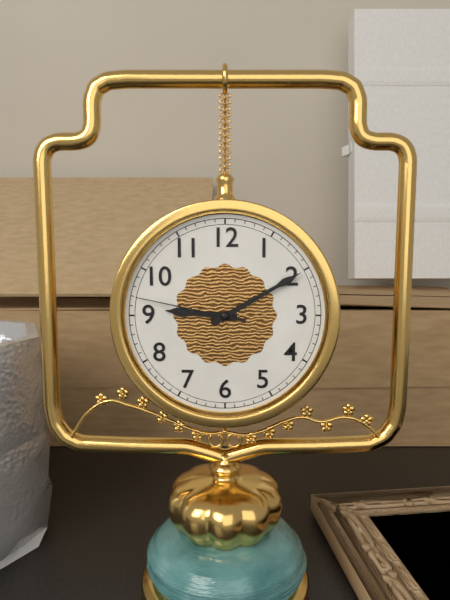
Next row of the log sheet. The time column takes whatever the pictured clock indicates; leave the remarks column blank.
9:10:47
